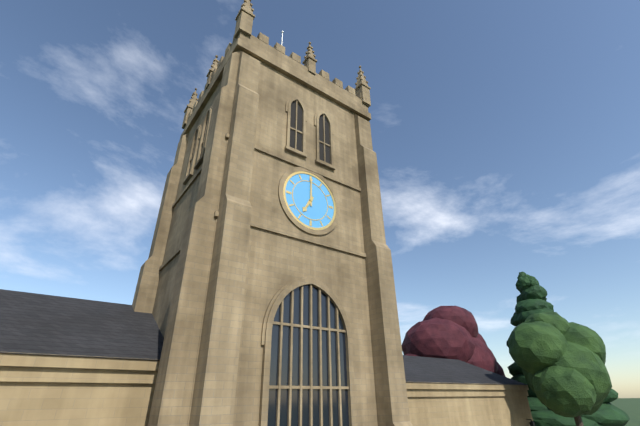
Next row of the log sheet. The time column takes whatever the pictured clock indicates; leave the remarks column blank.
7:00
